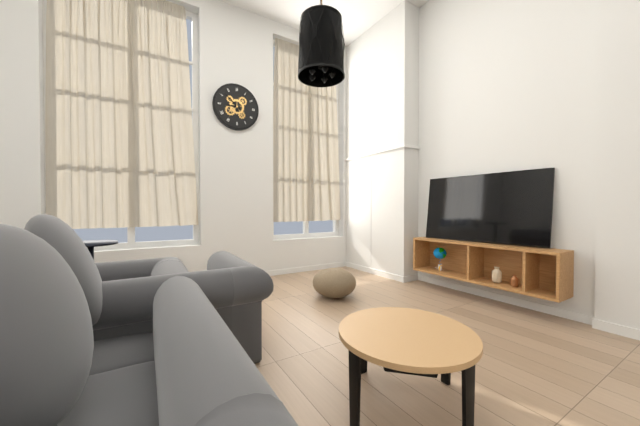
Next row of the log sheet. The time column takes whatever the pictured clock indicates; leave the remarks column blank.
8:52
